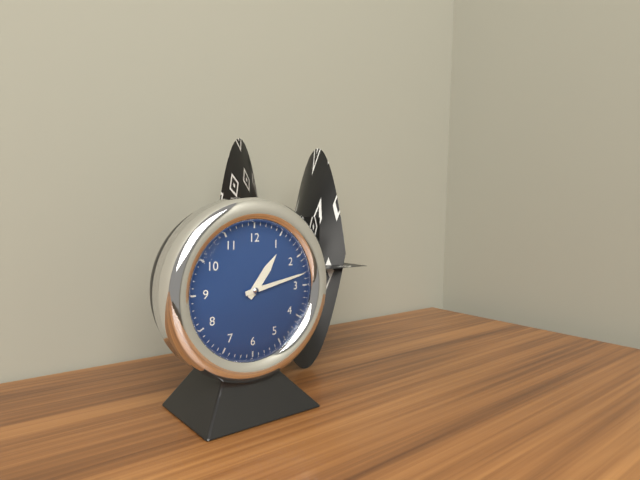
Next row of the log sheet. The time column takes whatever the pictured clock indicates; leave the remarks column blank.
1:13
